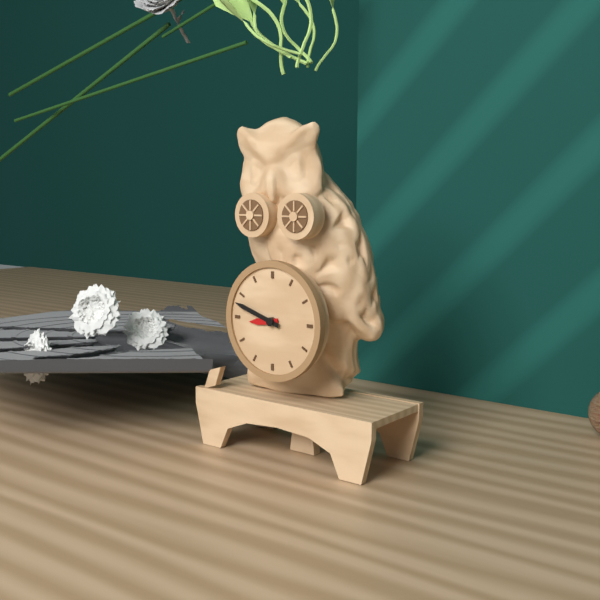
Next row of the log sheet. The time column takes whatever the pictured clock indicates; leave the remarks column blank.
8:48
